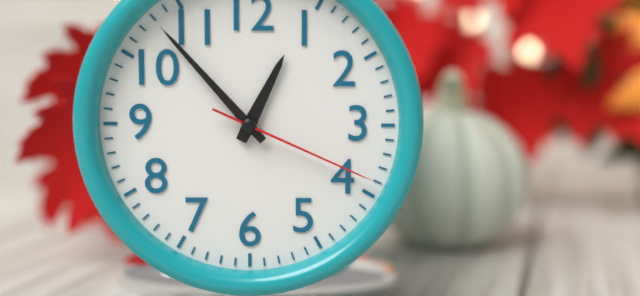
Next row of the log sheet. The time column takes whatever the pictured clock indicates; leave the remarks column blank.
12:53:19
